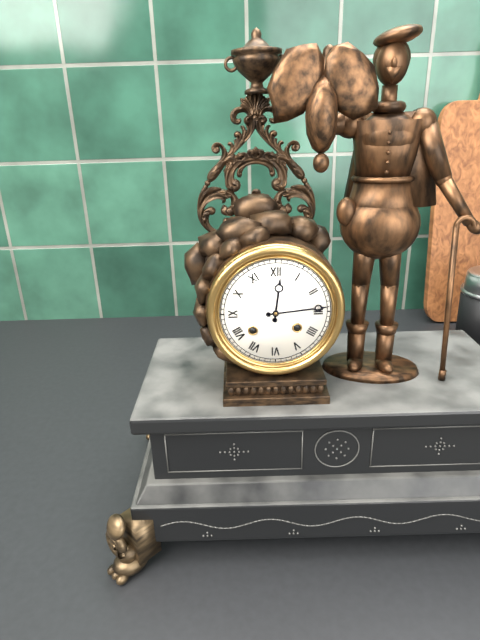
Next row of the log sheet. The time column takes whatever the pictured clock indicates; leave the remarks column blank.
12:14
